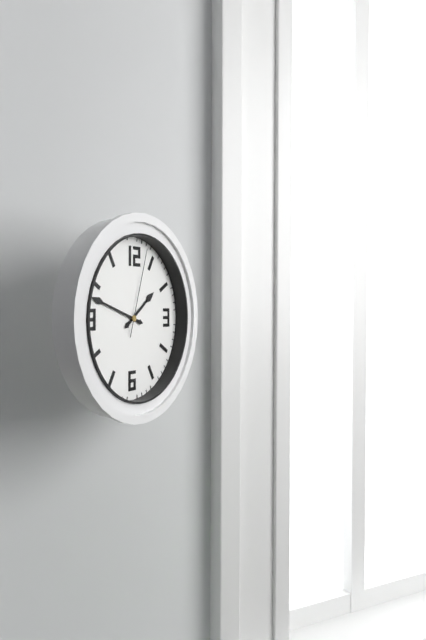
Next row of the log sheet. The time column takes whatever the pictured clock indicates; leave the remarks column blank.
1:48:03
